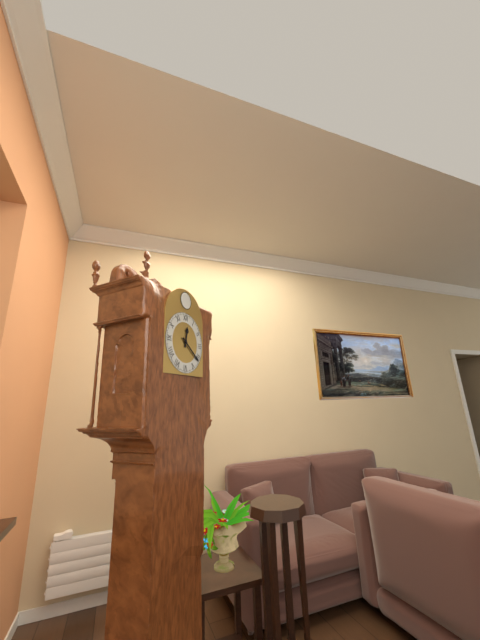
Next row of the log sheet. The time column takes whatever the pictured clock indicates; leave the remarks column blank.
12:21
